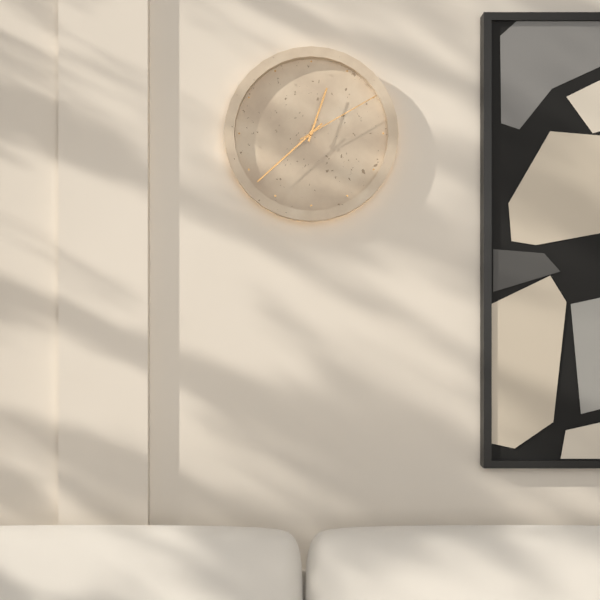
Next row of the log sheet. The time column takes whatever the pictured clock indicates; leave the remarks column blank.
12:38:10
